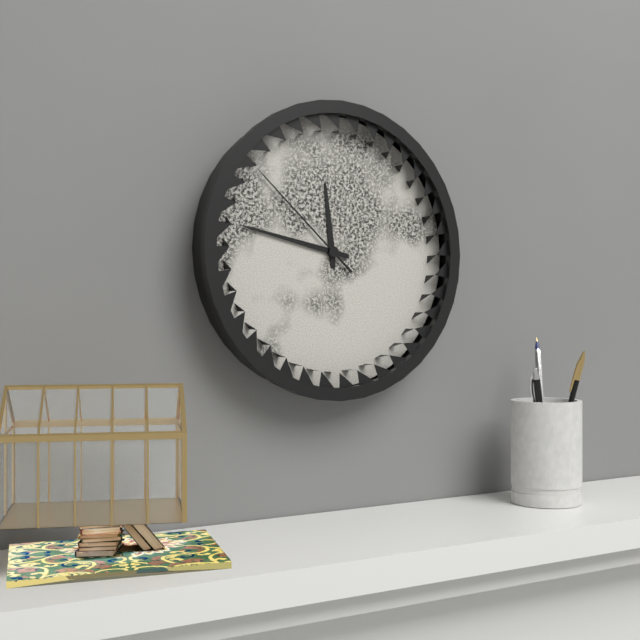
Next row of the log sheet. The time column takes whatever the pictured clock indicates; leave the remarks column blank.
11:47:52
